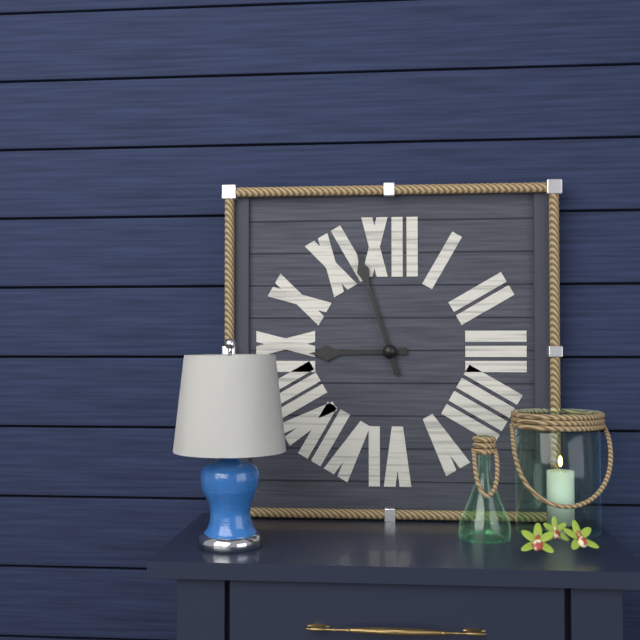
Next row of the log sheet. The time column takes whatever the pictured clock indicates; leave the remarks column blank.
8:57
